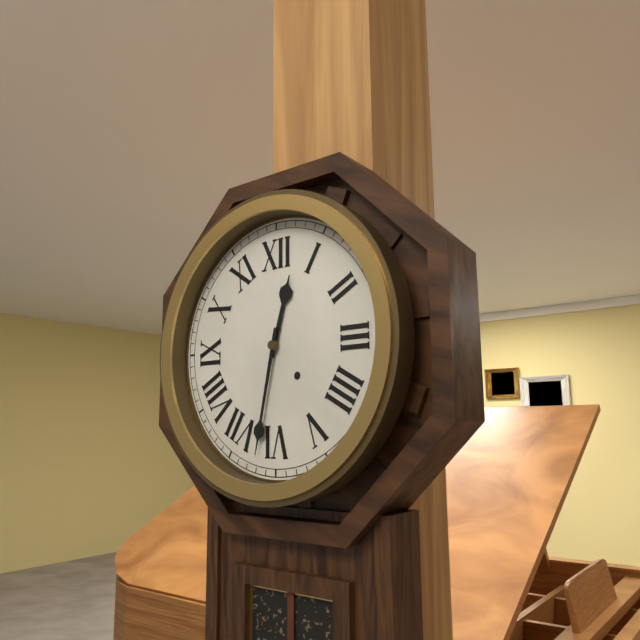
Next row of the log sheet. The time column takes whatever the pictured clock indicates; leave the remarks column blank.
12:32
